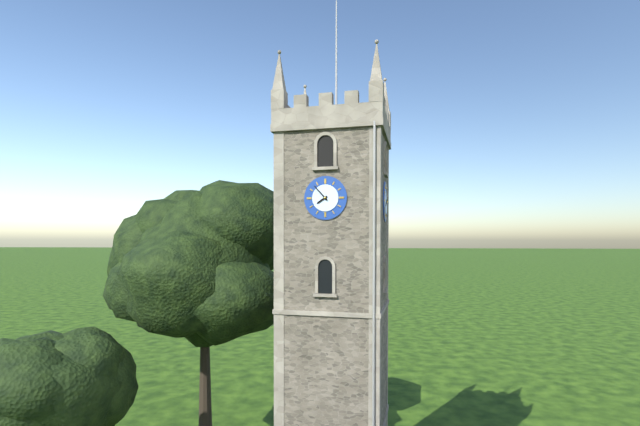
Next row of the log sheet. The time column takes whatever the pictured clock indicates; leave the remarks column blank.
7:53
